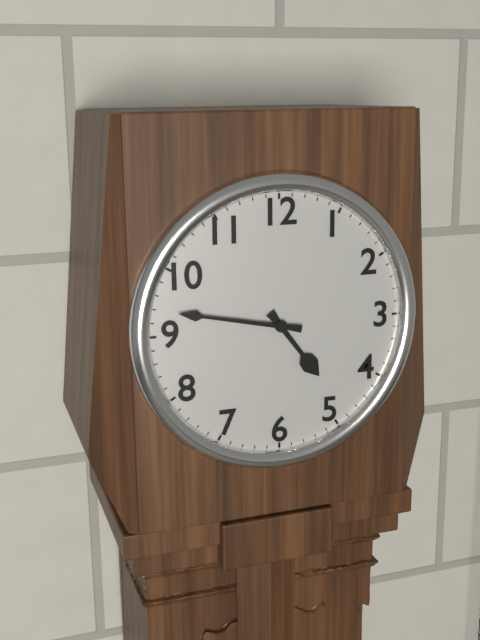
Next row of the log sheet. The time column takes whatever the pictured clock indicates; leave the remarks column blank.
4:47
